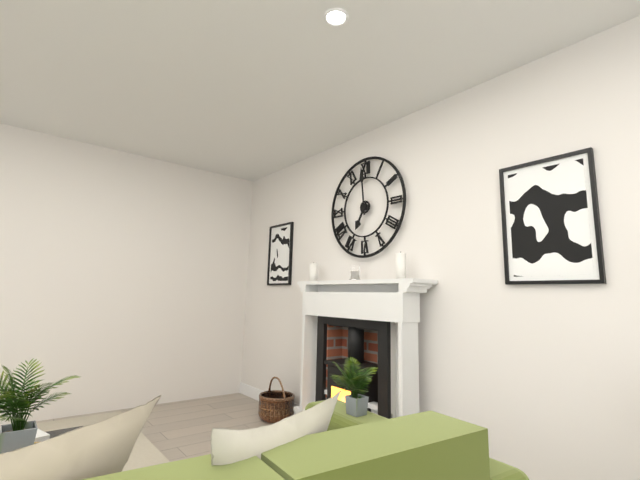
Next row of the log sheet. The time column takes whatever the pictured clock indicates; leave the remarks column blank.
6:59
